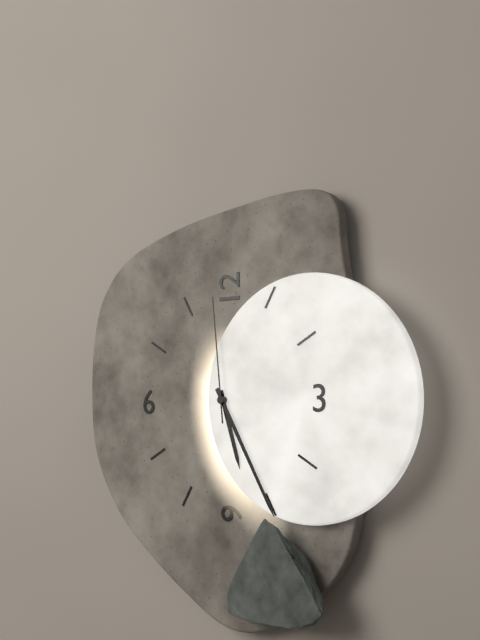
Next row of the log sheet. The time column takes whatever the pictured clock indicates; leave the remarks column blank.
5:25:59
